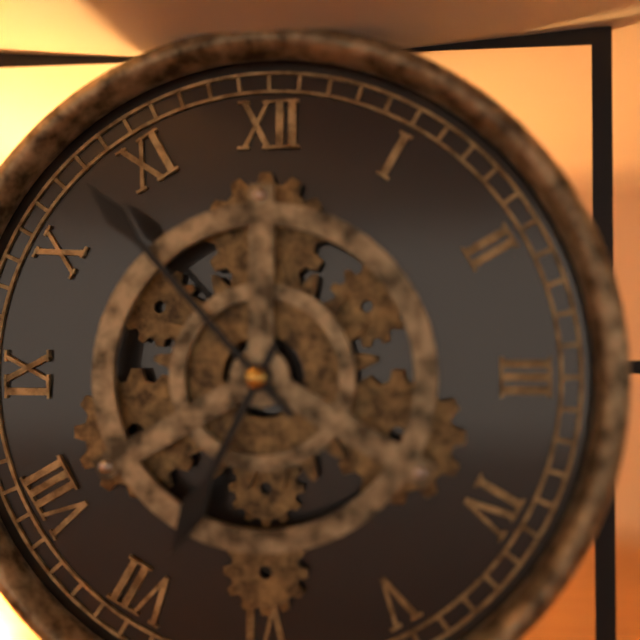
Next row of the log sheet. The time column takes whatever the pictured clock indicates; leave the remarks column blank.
6:53
